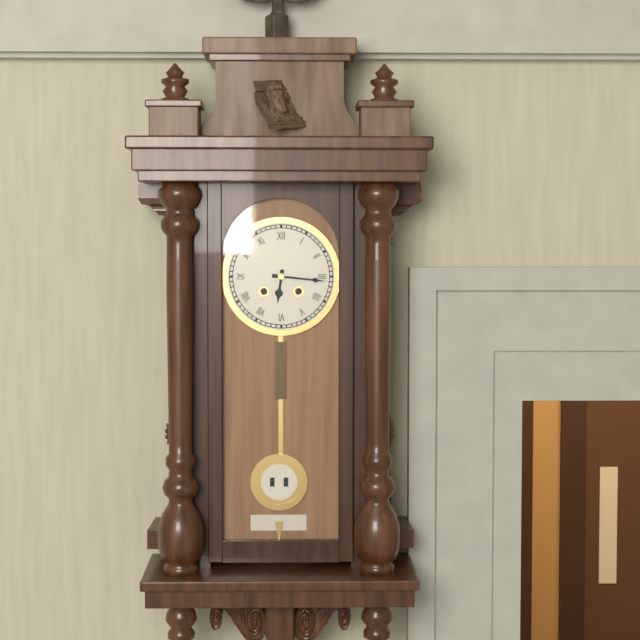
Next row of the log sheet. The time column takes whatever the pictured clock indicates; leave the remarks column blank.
6:16
